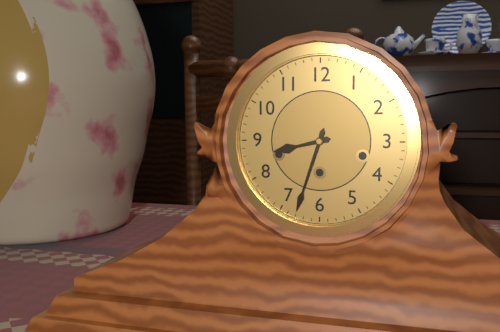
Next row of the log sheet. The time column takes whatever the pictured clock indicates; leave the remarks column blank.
8:33
